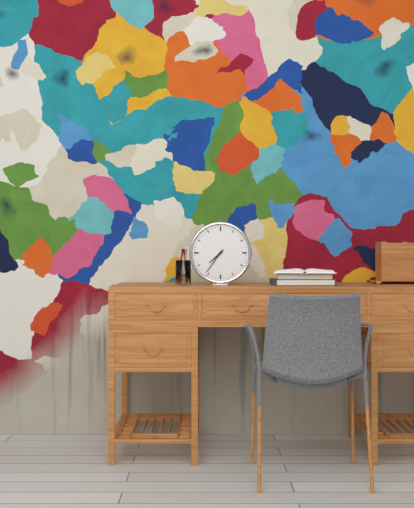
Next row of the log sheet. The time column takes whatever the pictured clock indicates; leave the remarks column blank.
7:36
